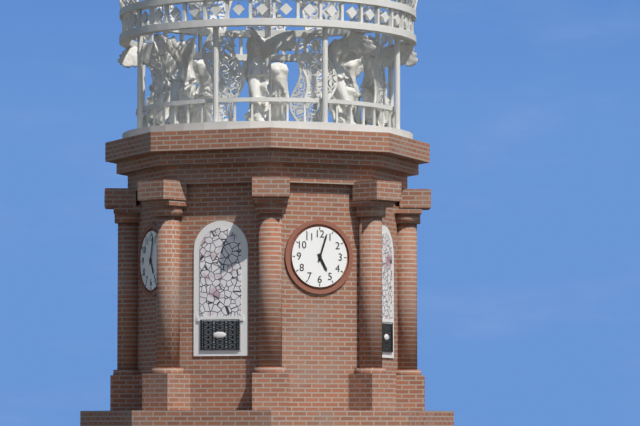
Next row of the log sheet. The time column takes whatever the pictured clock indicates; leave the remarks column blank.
5:03
